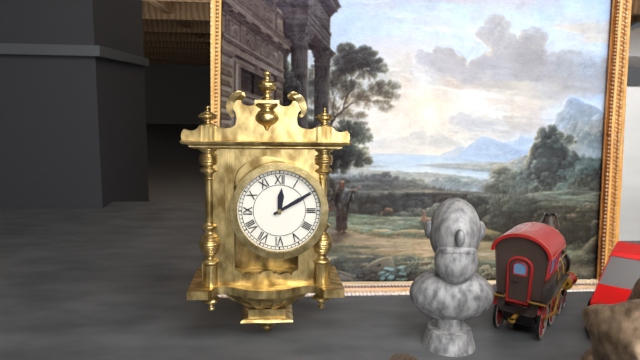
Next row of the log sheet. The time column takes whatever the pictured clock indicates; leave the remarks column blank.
12:10
